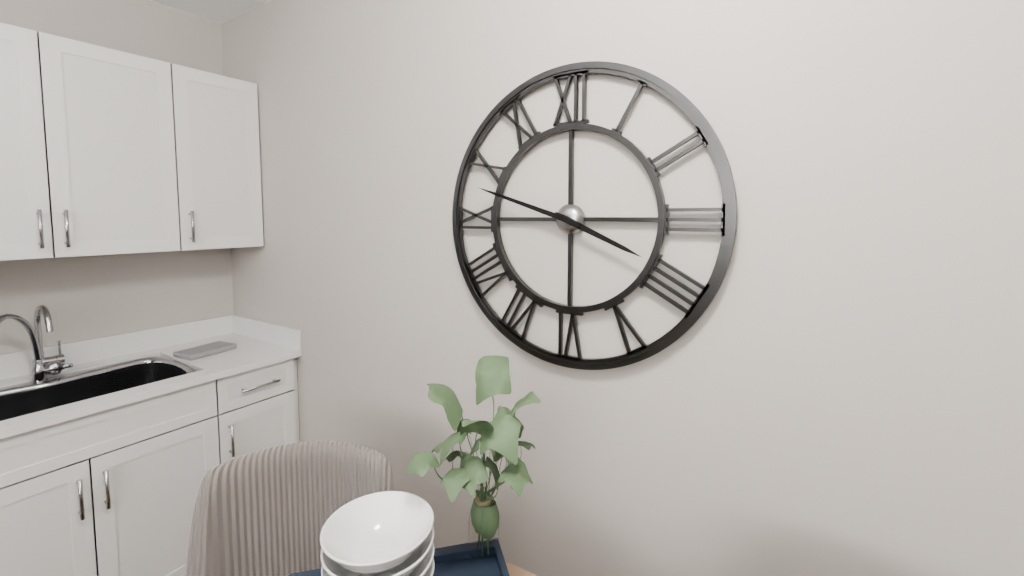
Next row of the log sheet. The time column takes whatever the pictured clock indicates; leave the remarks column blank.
3:48
